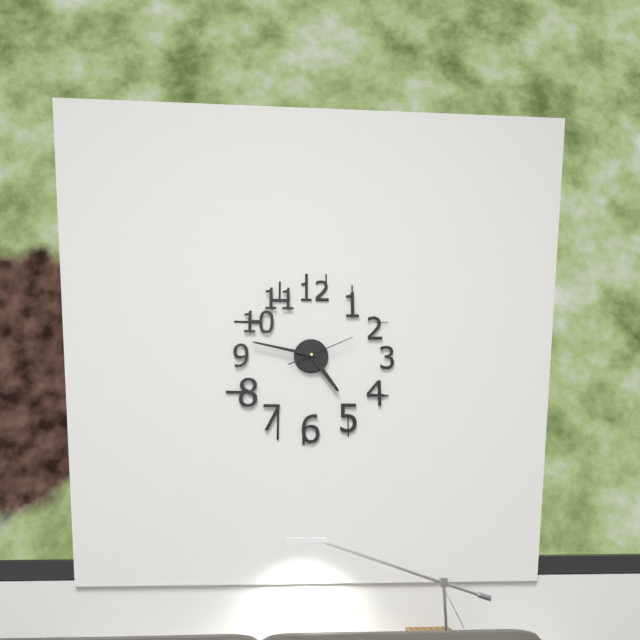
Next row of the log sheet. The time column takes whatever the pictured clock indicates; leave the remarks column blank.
4:47:11
